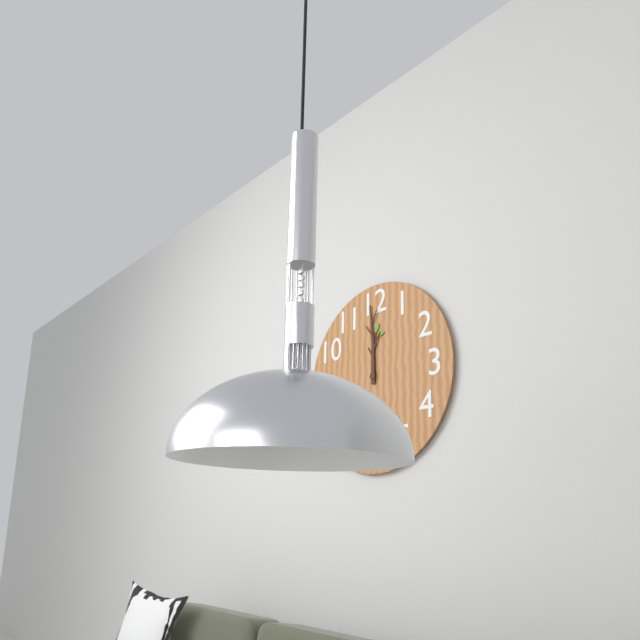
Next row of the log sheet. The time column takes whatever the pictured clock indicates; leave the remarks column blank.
12:00
